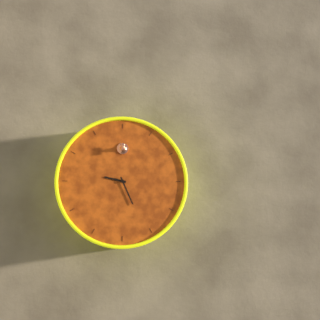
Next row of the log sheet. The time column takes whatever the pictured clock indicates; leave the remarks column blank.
9:26
